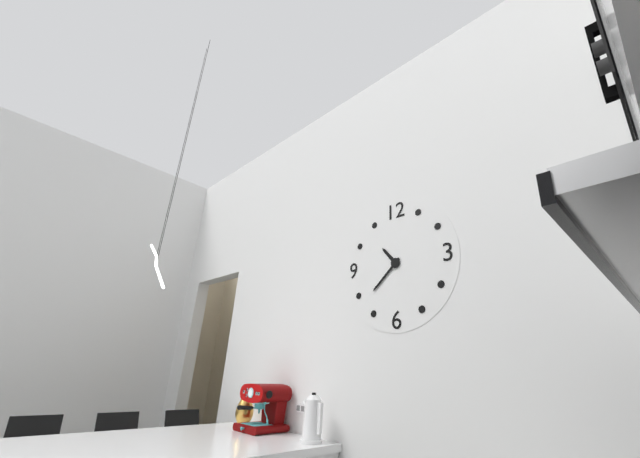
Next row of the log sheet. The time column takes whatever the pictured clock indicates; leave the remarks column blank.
10:38
